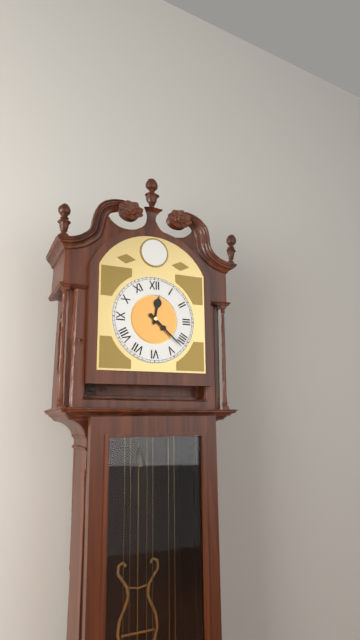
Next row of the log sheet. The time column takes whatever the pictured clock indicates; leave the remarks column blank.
12:22
